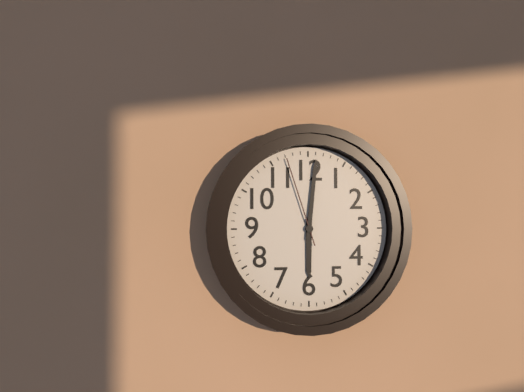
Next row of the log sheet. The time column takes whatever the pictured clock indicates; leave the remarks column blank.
6:01:57
